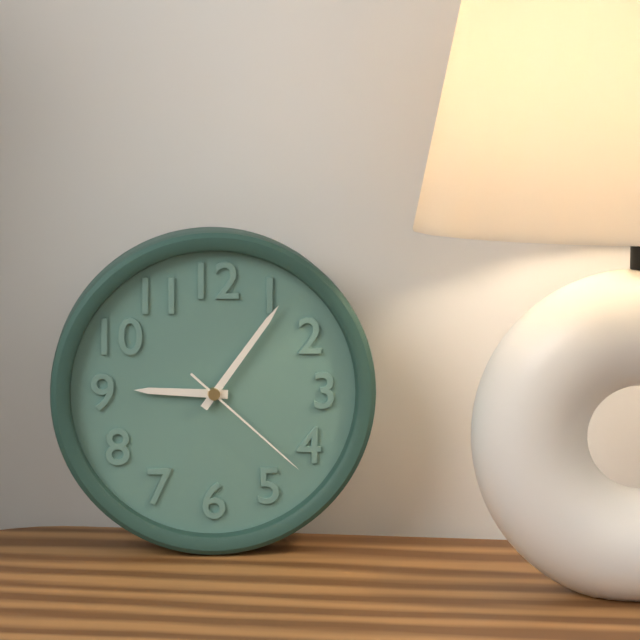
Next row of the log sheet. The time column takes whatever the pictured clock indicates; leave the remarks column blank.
9:06:22
